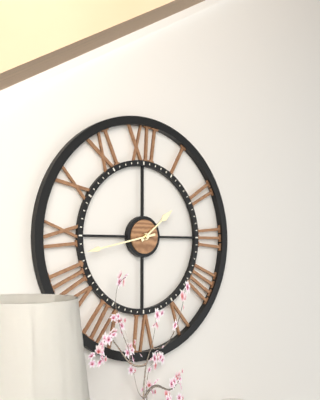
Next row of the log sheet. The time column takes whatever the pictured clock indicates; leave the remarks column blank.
1:43
